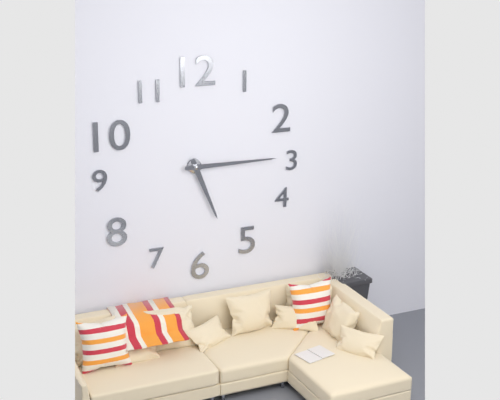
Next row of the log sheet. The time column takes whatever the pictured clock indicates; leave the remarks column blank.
5:15
